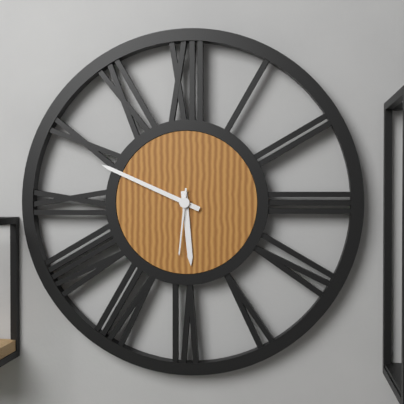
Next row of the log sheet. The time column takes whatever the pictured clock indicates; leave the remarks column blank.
5:49:31
